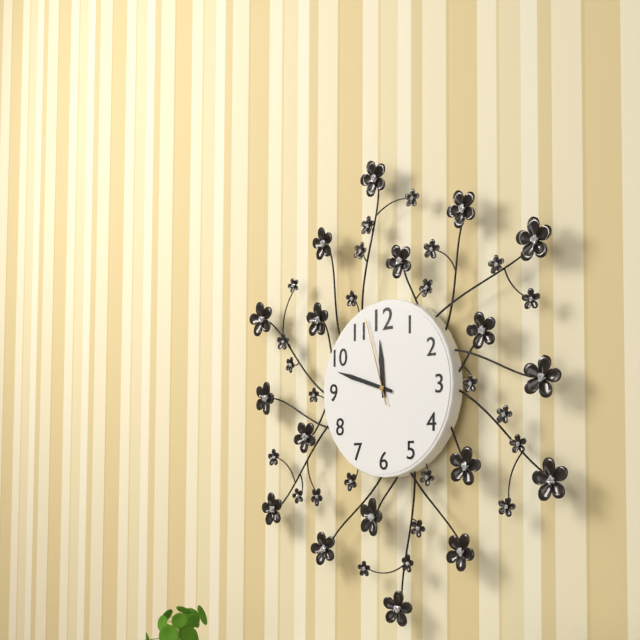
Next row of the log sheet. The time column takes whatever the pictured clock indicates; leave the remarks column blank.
11:48:57
